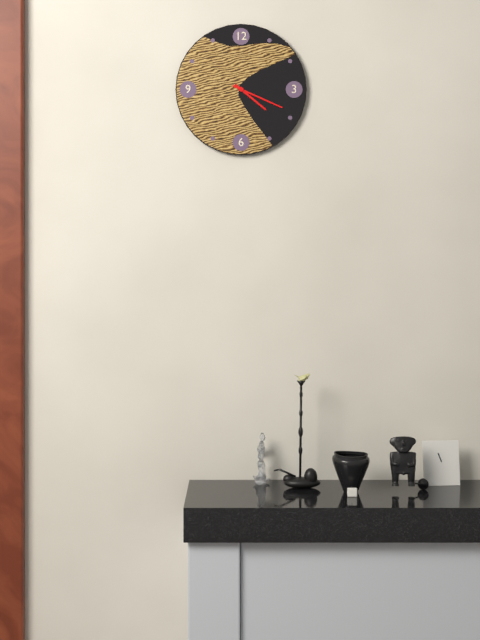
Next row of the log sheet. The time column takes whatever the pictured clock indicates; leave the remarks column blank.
4:19
